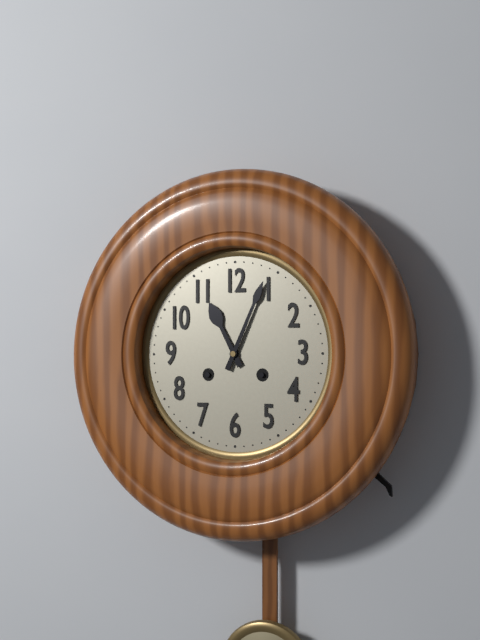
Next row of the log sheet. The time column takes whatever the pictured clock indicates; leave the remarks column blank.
11:04
